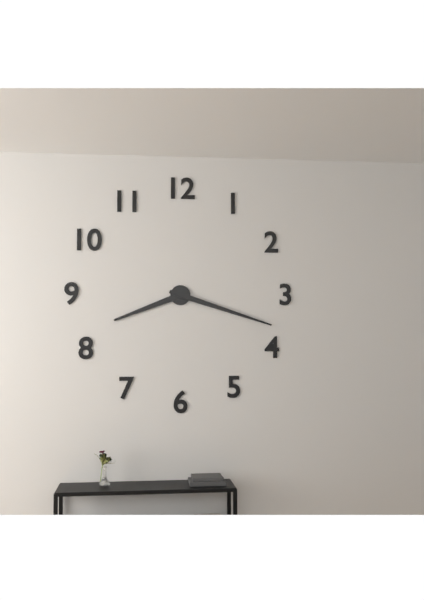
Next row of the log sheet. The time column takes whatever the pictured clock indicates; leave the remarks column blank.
8:18
